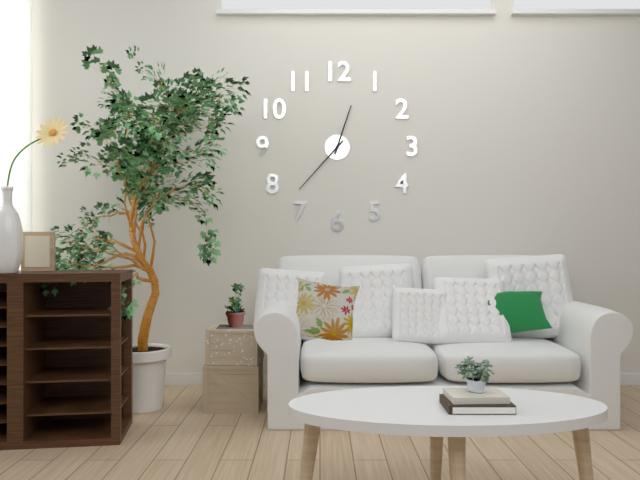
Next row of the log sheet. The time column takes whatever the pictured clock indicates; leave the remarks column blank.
12:37
